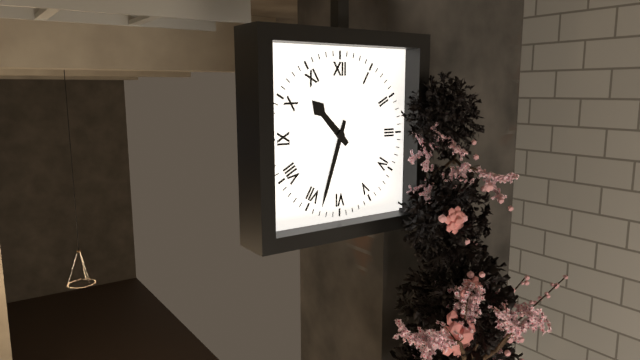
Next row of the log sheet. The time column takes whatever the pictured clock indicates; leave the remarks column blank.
10:33
